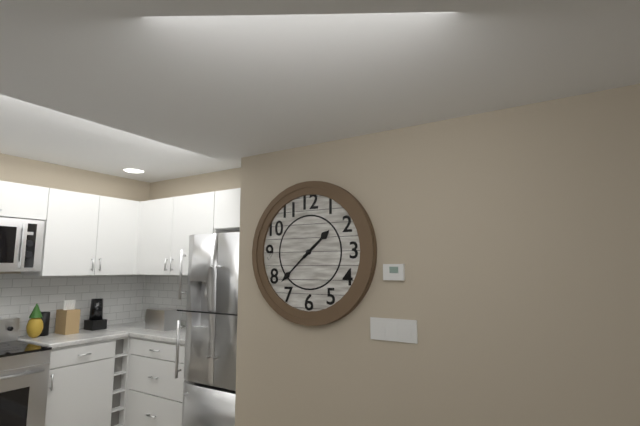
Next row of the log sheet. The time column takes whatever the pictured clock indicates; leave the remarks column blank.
1:38
